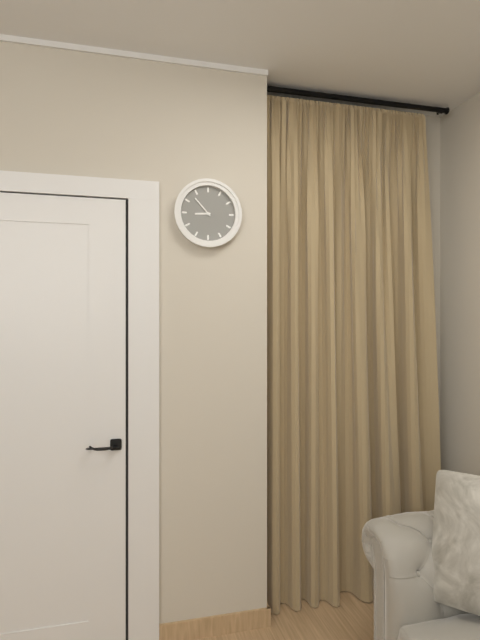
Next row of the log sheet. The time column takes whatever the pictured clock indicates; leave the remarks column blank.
8:53
